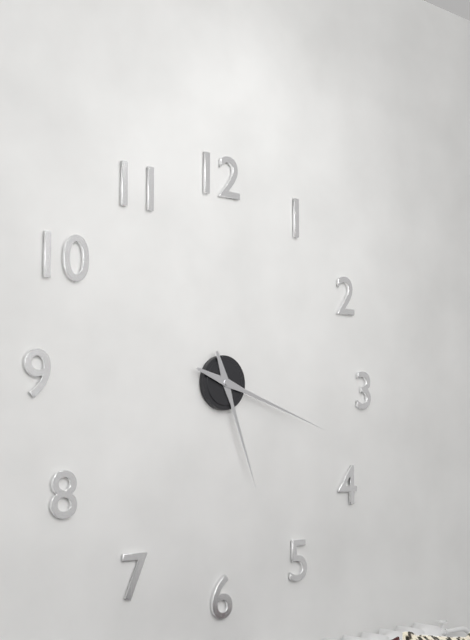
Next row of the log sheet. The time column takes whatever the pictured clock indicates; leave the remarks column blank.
5:18
